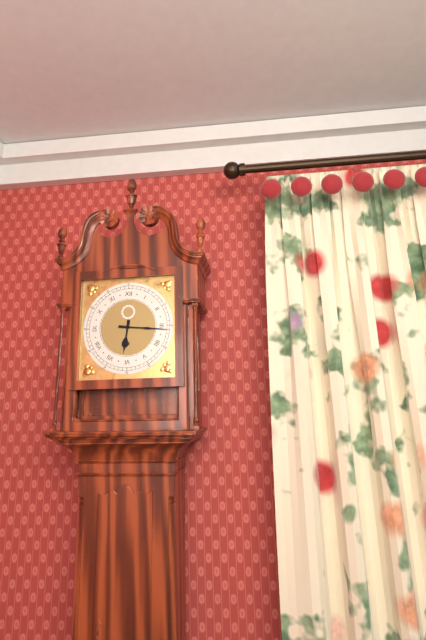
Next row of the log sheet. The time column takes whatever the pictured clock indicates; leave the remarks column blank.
6:16
